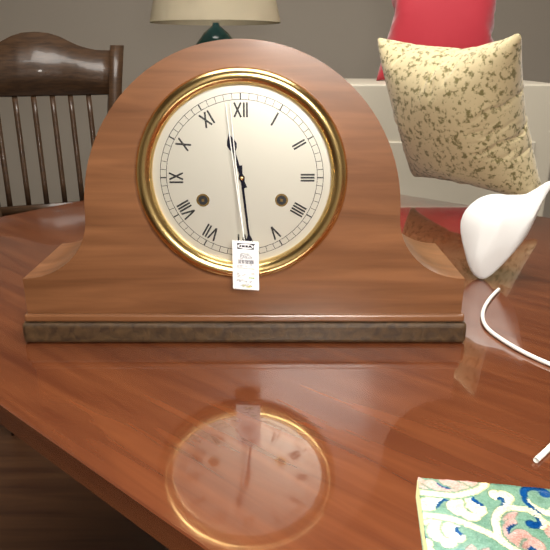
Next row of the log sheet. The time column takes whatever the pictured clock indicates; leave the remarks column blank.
11:29
